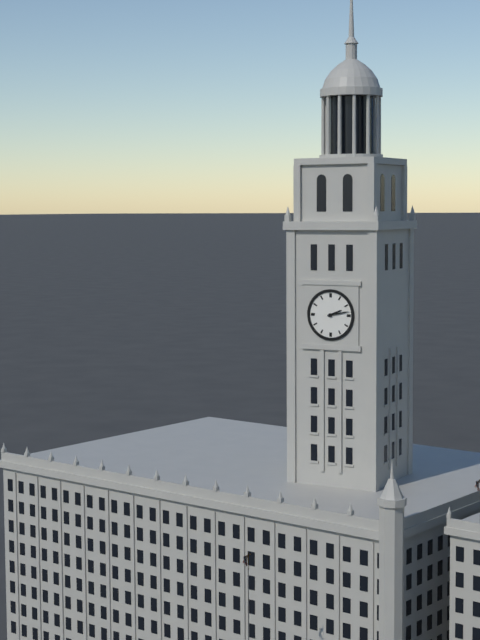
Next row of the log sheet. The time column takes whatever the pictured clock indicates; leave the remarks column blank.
2:13
